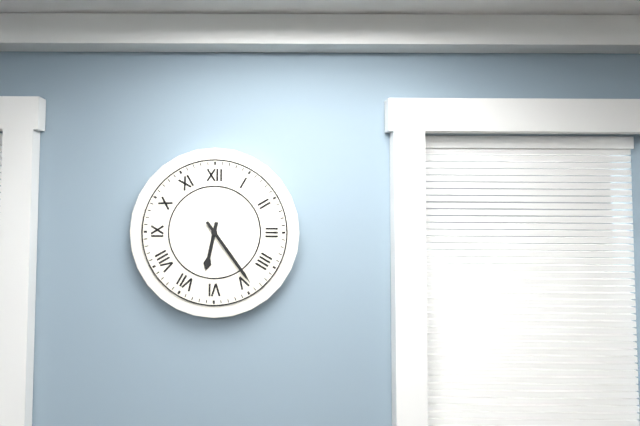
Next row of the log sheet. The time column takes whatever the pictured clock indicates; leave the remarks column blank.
6:24
